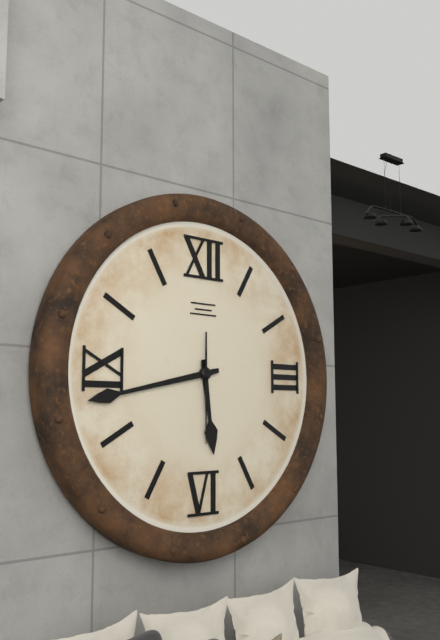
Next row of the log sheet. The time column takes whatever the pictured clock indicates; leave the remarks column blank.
5:43:30
